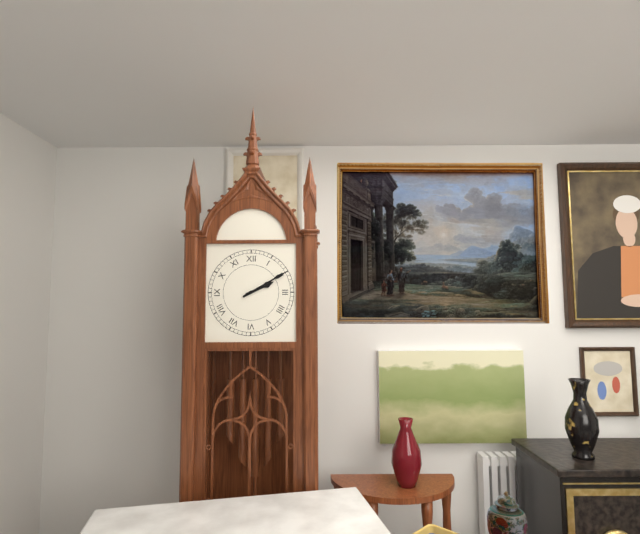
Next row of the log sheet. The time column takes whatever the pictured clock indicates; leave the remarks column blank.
2:10
